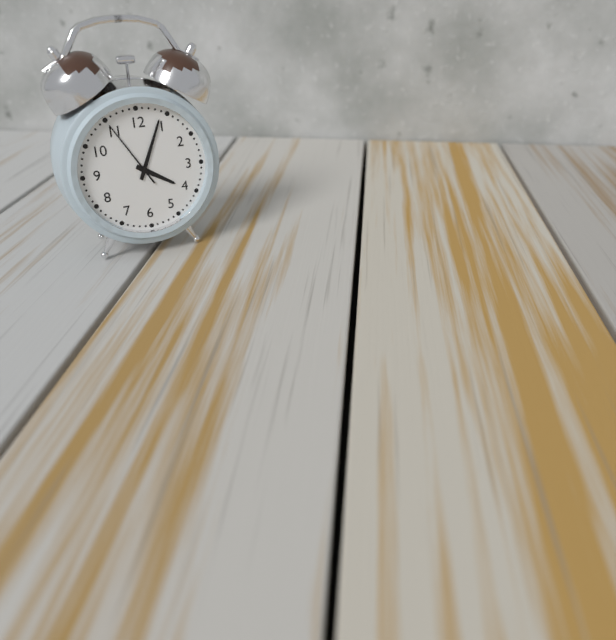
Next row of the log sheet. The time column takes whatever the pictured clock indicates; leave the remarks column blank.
4:04:55
